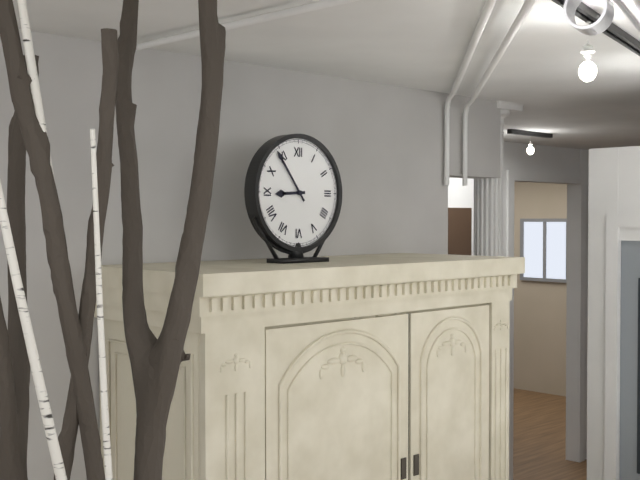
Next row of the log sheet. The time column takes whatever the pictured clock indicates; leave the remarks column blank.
8:54
